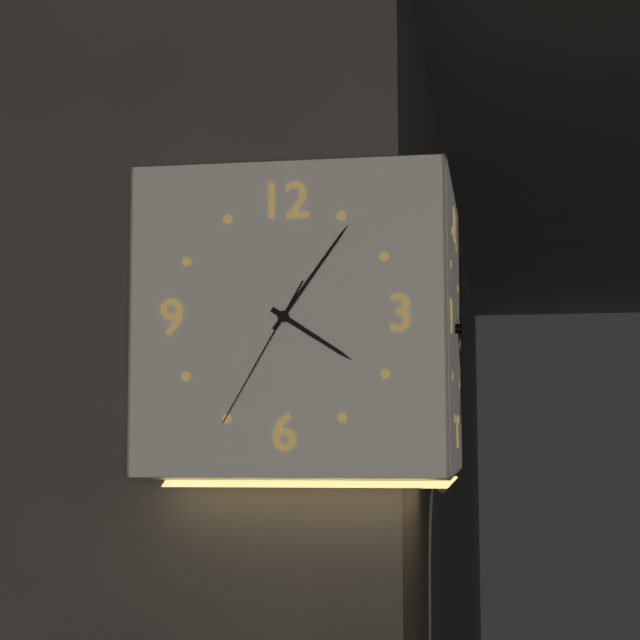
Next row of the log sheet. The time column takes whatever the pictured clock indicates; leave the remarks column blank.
4:06:35
